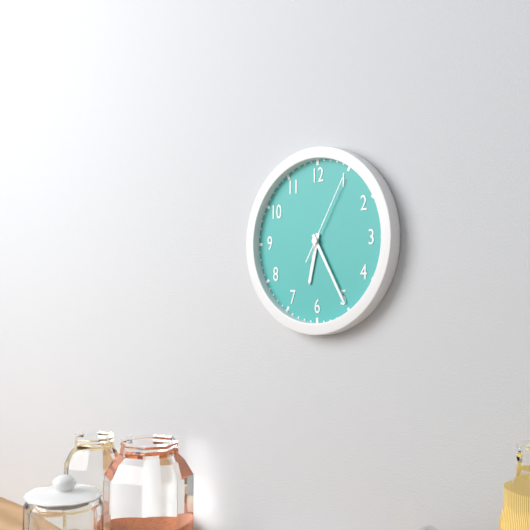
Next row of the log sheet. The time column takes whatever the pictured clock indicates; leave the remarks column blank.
6:25:05
